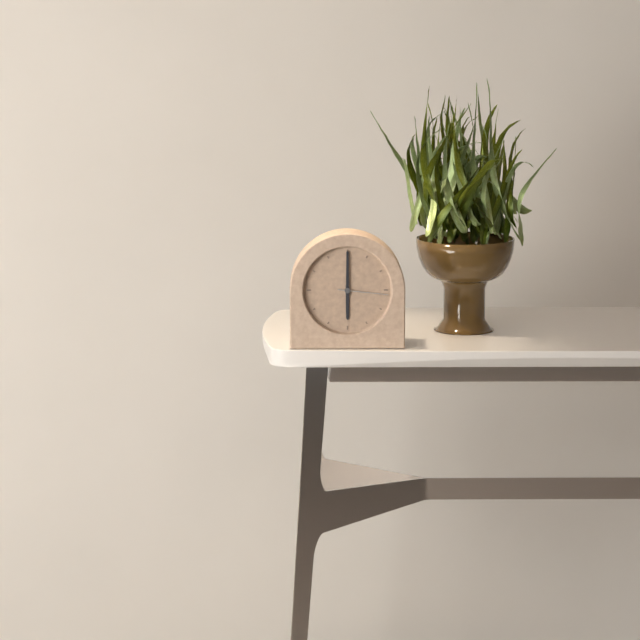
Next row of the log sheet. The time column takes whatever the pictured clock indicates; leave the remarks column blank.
6:00:16
